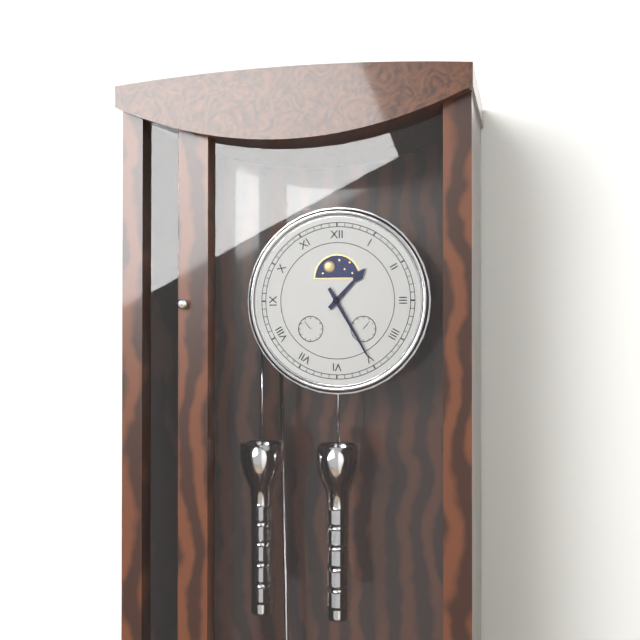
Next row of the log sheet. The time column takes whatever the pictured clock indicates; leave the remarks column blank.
1:25
